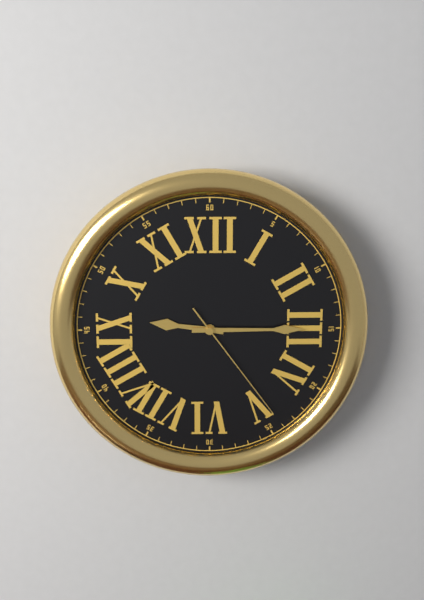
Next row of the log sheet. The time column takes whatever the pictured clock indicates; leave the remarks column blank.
9:15:24
